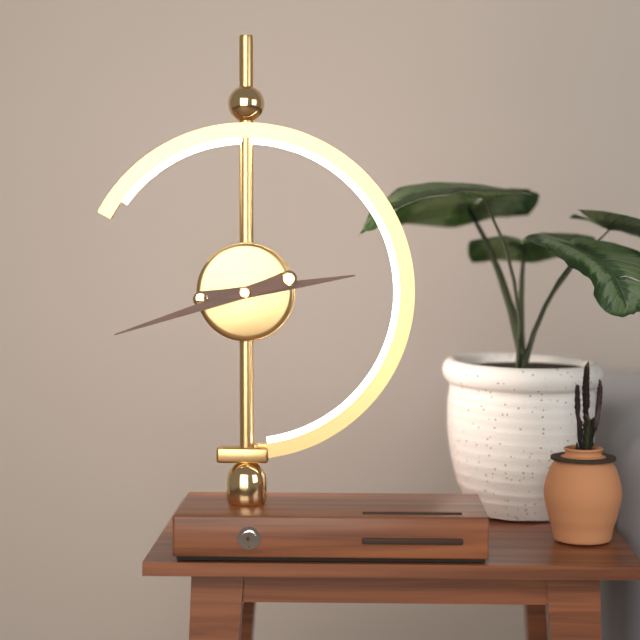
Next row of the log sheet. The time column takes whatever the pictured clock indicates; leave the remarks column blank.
2:42
